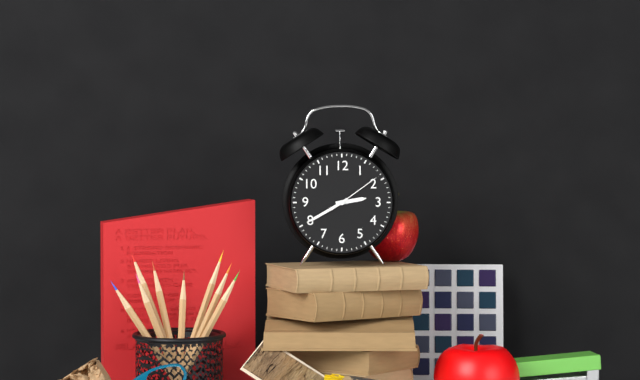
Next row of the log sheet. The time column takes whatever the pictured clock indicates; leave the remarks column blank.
2:40:09
